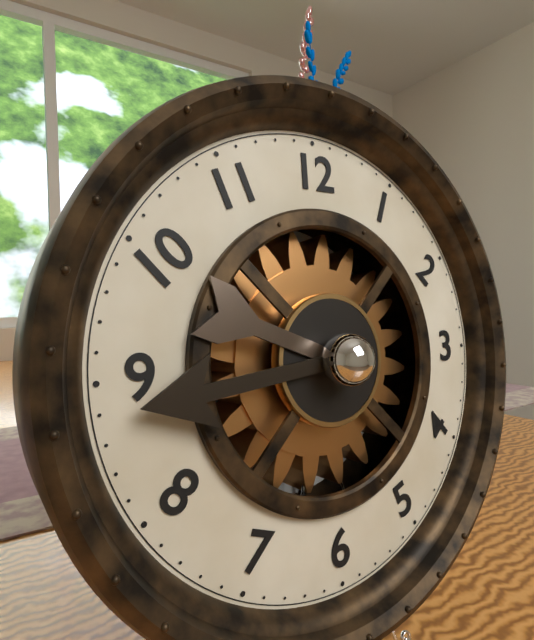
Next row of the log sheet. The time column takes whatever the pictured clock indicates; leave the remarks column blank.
9:44
